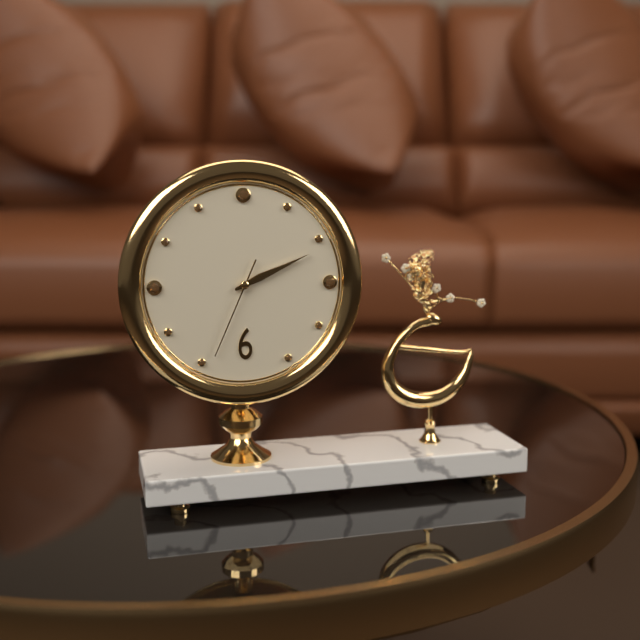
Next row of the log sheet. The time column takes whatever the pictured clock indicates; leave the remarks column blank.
2:11:34
